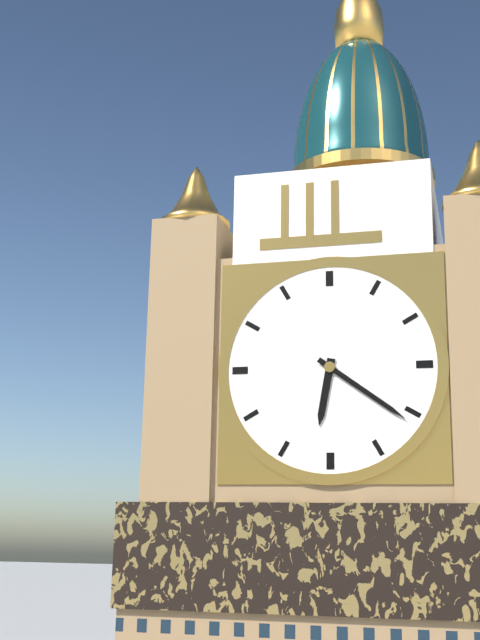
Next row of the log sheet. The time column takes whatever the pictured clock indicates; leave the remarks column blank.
6:21
